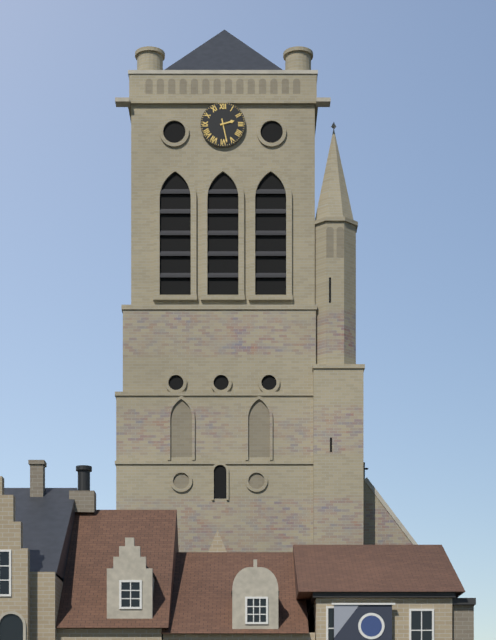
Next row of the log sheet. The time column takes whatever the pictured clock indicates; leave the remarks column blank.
2:28
